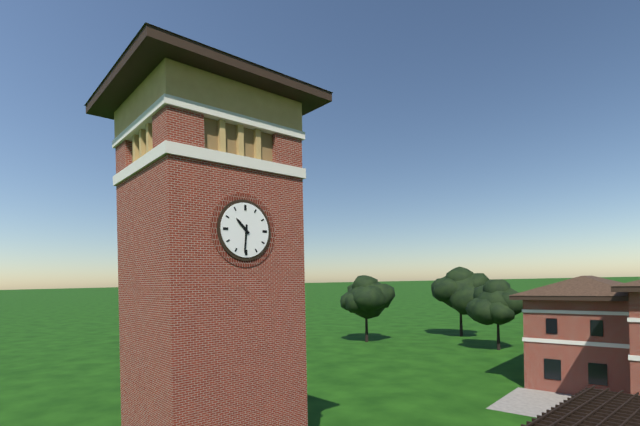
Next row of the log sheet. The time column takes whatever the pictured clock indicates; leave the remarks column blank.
10:31
